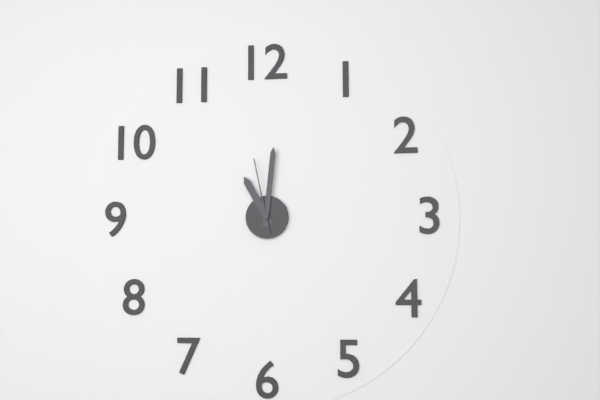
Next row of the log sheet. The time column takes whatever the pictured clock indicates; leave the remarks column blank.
11:01:58
